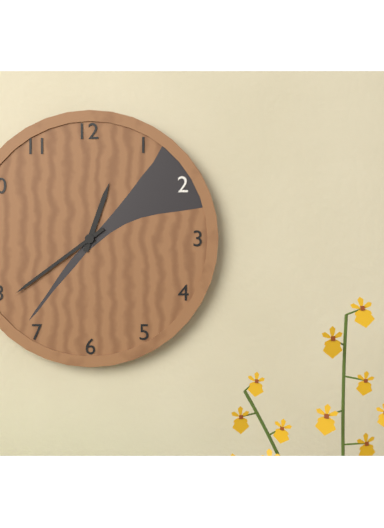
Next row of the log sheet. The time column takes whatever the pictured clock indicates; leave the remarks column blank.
12:39
